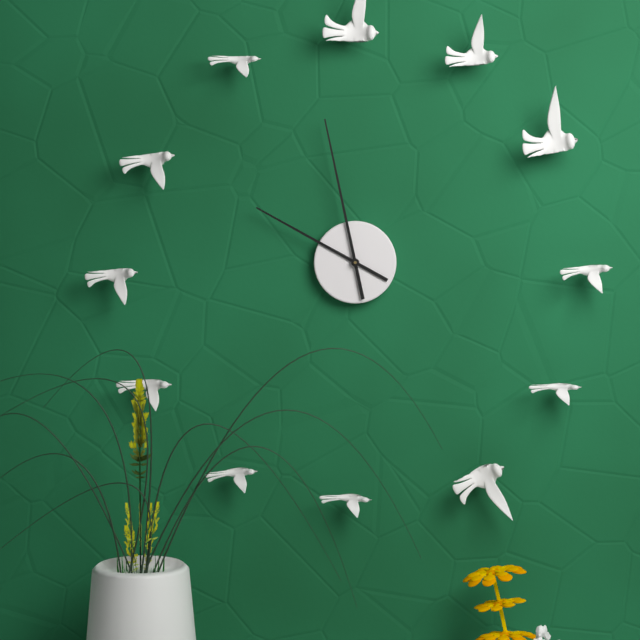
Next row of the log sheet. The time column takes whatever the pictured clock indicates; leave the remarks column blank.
9:58
